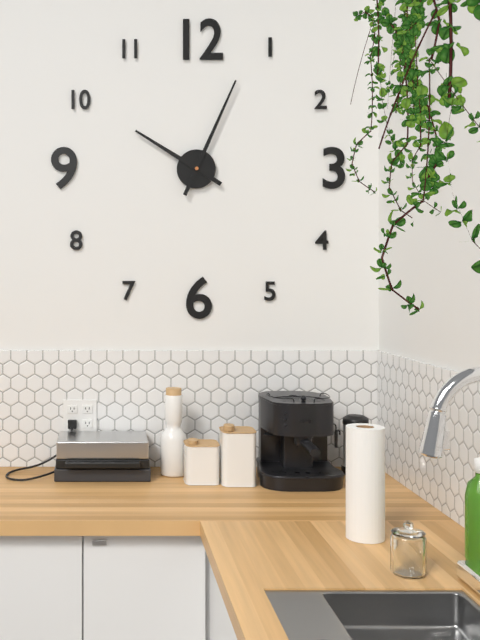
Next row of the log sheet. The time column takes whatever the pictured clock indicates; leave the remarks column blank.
10:04
